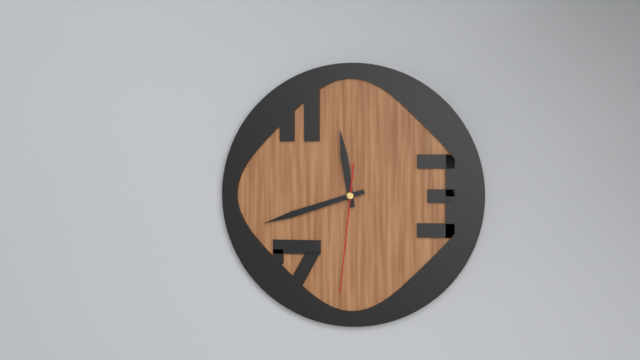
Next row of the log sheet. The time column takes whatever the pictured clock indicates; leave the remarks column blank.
11:42:31
